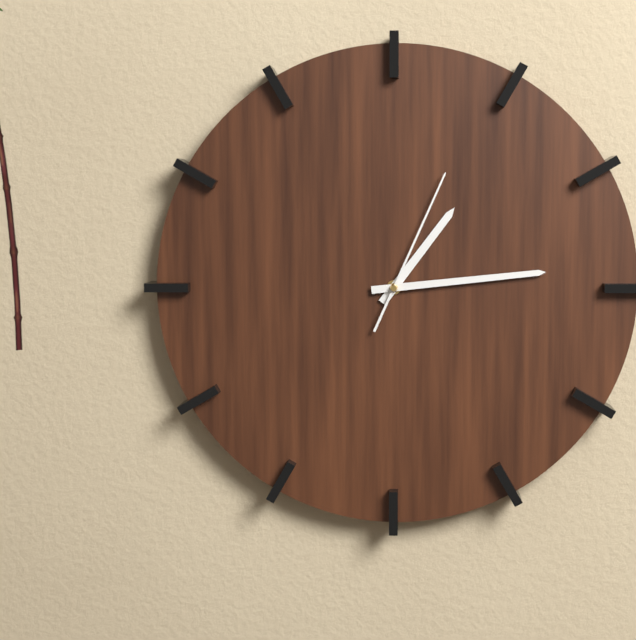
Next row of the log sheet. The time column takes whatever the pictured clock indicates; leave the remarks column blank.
1:14:04
